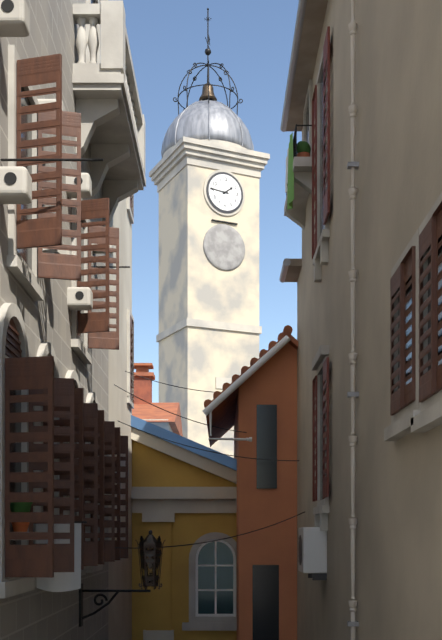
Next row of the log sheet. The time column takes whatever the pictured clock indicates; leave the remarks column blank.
1:46
